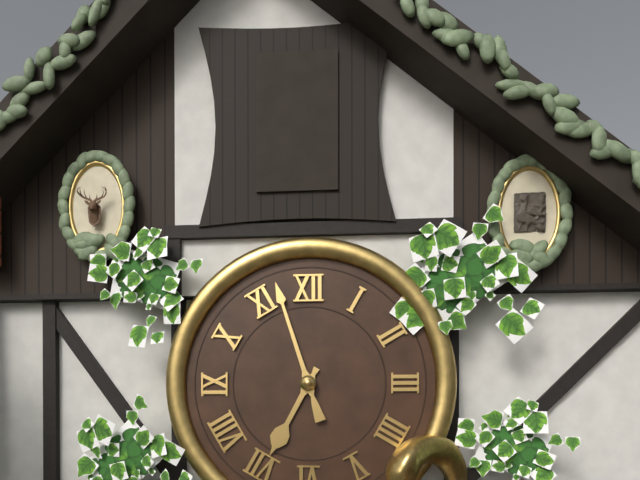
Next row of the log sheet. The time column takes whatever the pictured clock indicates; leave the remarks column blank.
6:57
